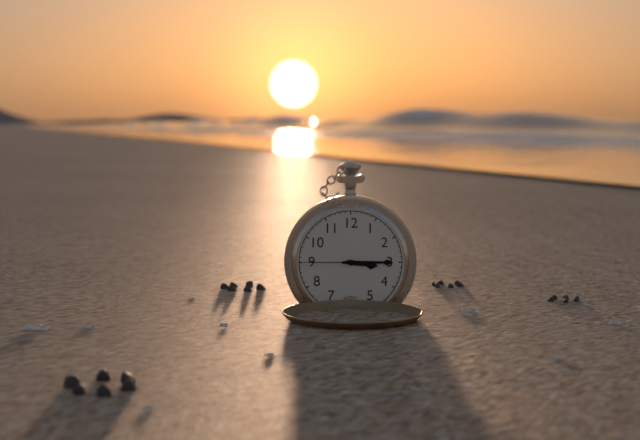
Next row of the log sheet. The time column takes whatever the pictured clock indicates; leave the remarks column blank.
3:15:45
